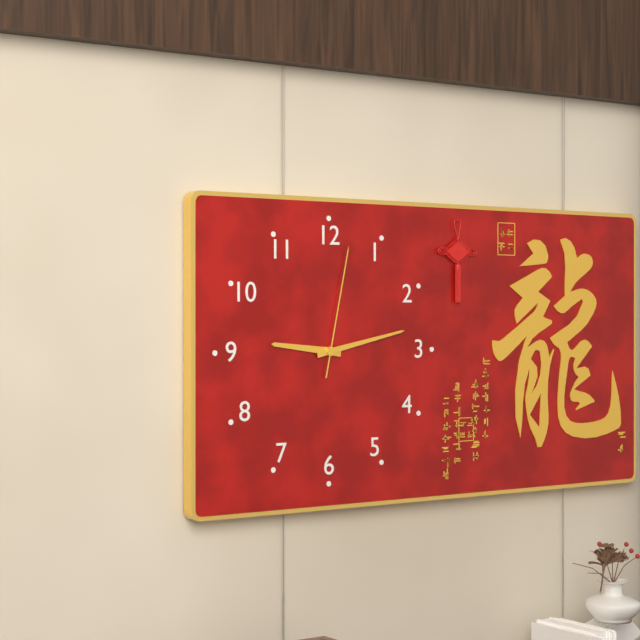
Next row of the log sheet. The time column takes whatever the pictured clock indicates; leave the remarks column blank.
9:13:02
